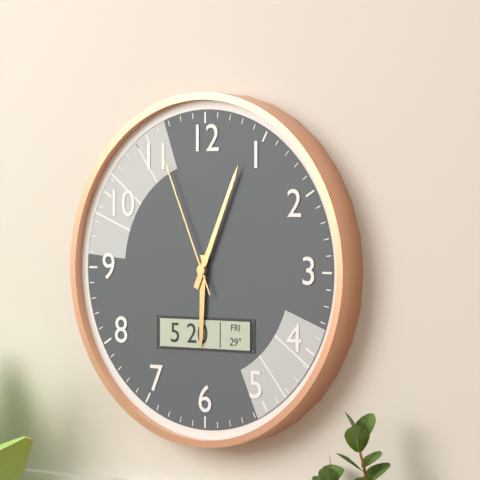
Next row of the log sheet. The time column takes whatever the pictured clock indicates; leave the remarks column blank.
6:04:56
